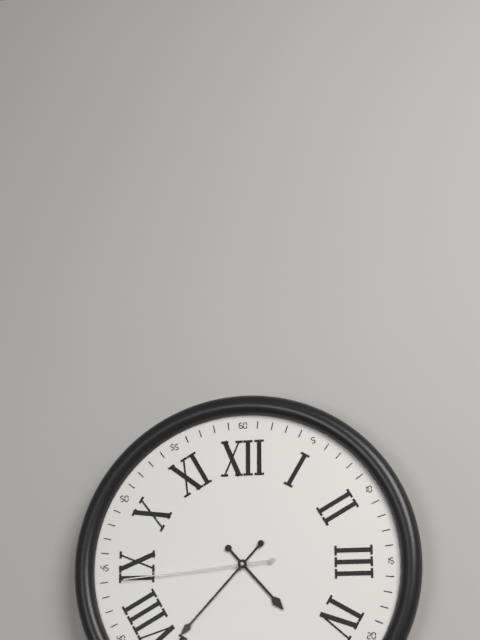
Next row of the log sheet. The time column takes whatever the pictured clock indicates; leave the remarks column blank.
4:37:44
